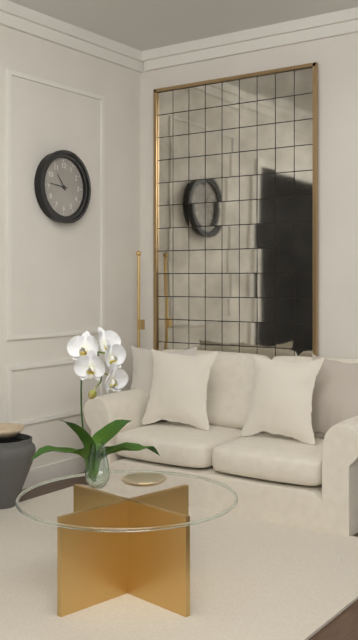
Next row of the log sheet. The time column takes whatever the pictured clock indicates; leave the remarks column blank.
10:46
